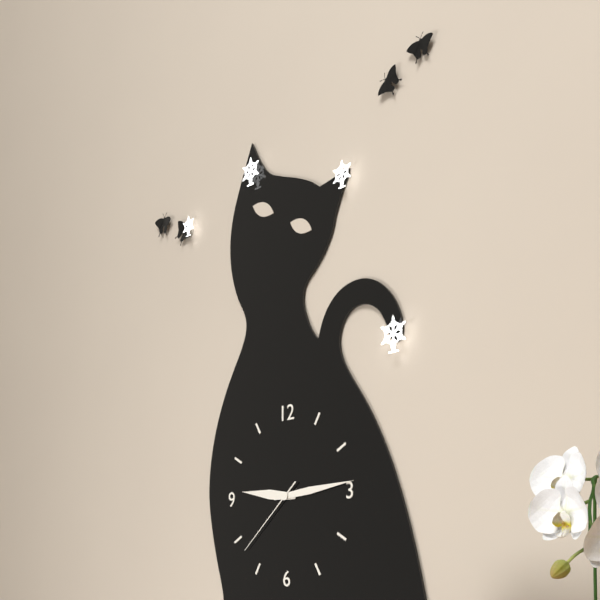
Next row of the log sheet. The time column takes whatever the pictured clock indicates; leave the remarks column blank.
9:14:38
